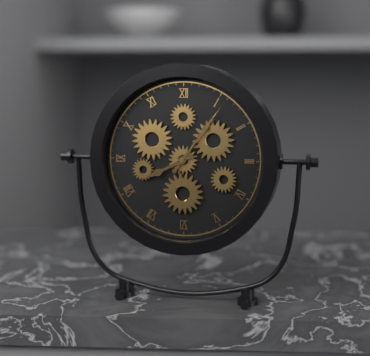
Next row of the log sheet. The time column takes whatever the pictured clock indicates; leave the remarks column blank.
8:06
